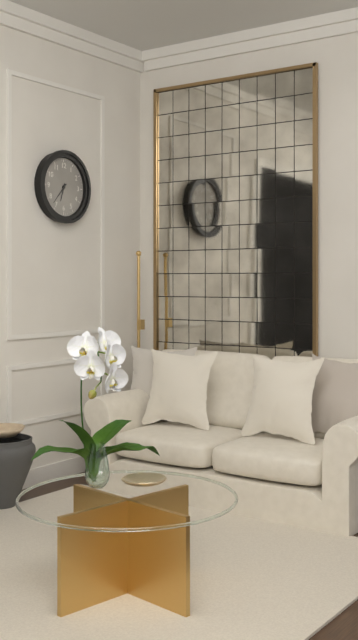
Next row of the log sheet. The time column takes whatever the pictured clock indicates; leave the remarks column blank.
6:37
